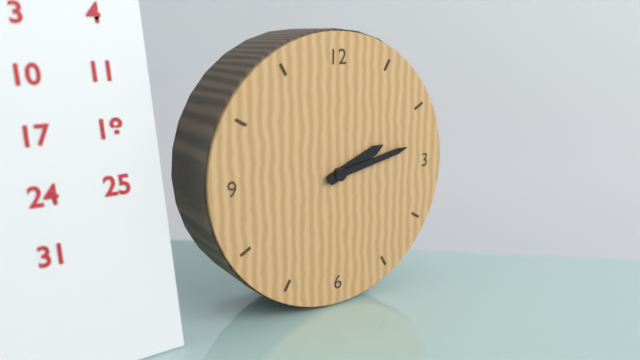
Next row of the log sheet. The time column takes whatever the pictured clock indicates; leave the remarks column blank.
2:13
